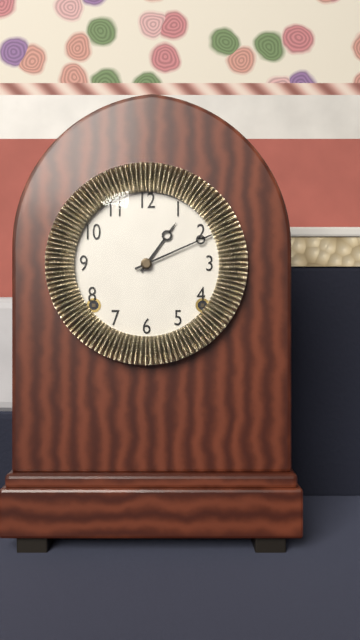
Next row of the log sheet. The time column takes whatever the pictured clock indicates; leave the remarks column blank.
1:11
